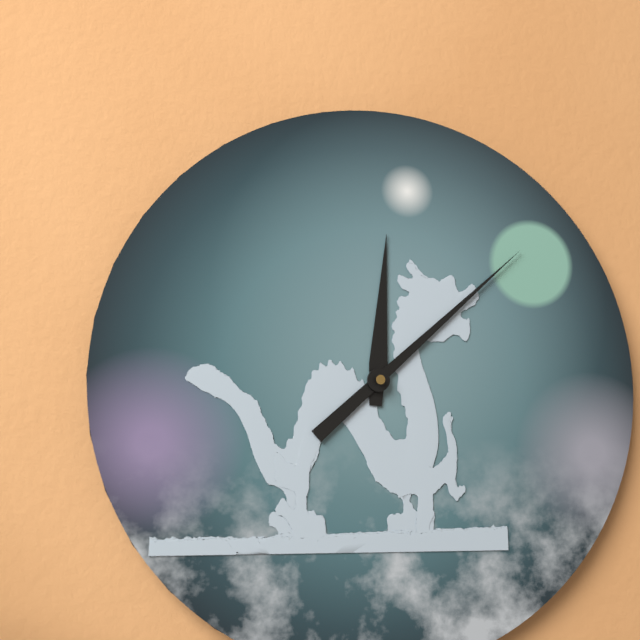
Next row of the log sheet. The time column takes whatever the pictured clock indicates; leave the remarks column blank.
12:08
